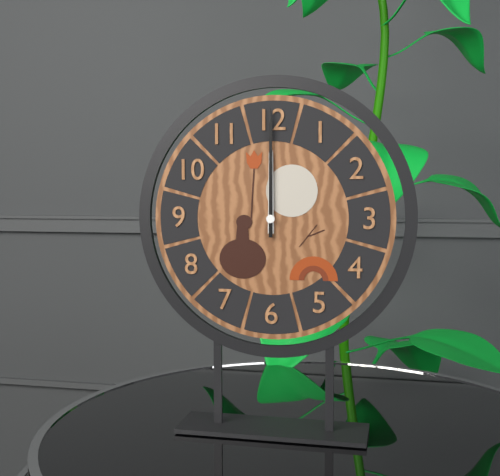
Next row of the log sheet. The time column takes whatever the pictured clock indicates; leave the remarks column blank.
12:00
